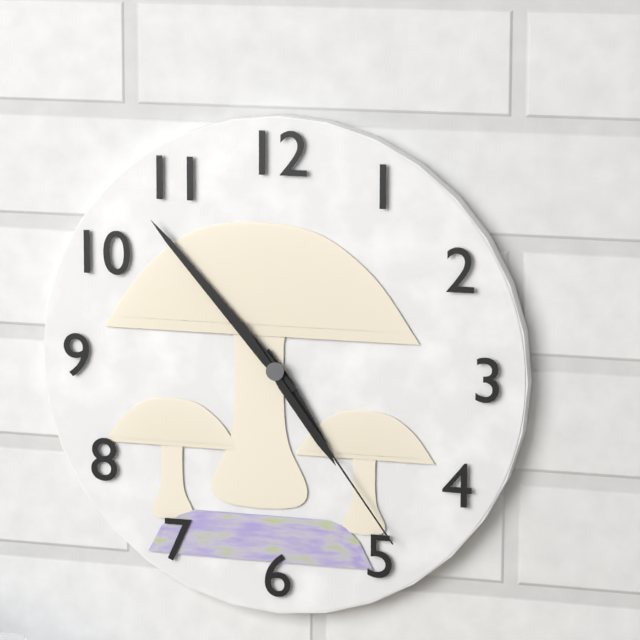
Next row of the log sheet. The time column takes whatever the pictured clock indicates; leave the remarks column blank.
4:53:24
